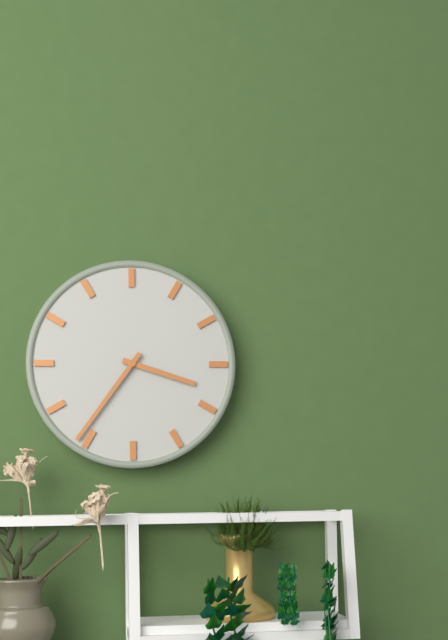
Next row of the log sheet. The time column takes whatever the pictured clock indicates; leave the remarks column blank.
3:36
